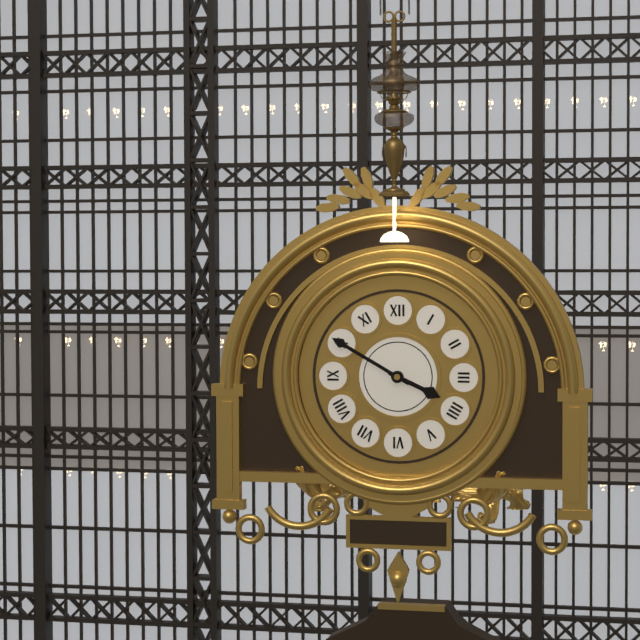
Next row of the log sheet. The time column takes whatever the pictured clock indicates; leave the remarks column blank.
3:50
